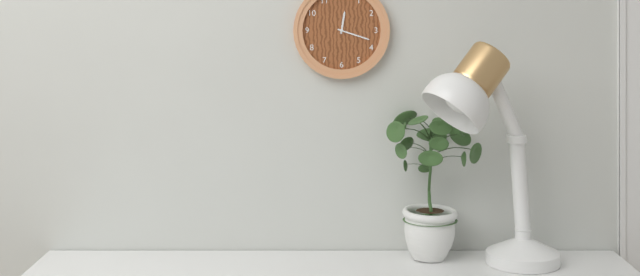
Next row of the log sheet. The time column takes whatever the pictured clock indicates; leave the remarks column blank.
12:18
